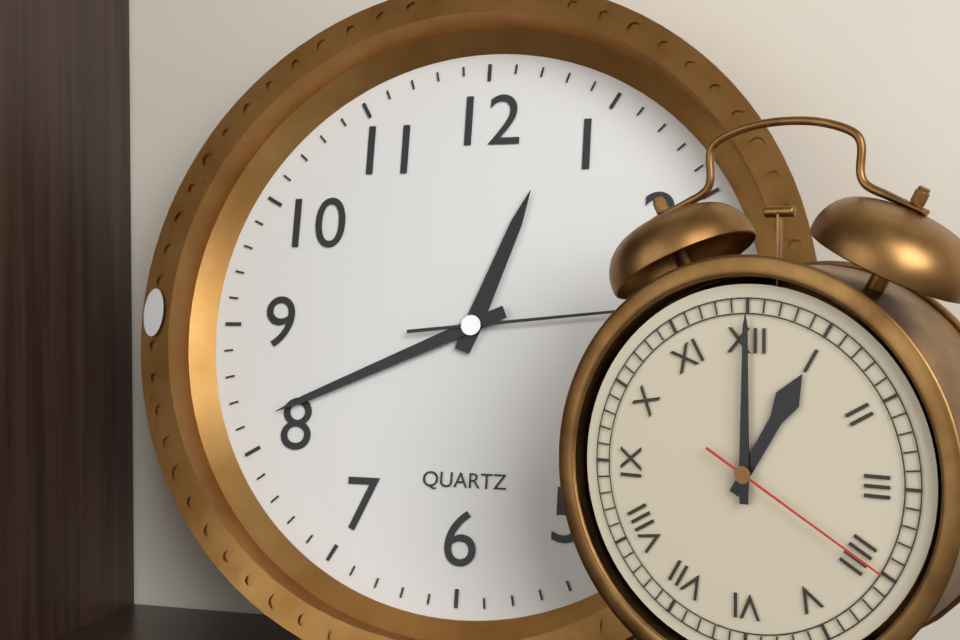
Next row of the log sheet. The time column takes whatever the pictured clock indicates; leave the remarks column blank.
12:41
